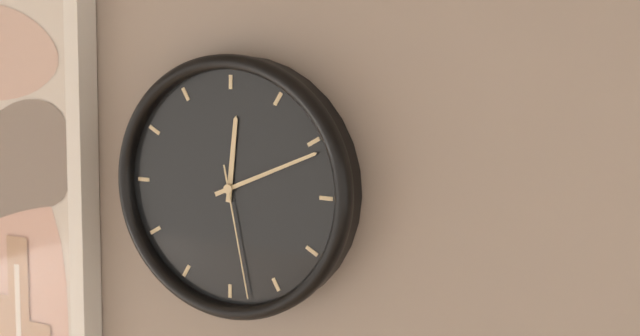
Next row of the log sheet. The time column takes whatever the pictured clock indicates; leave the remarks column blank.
12:11:28
